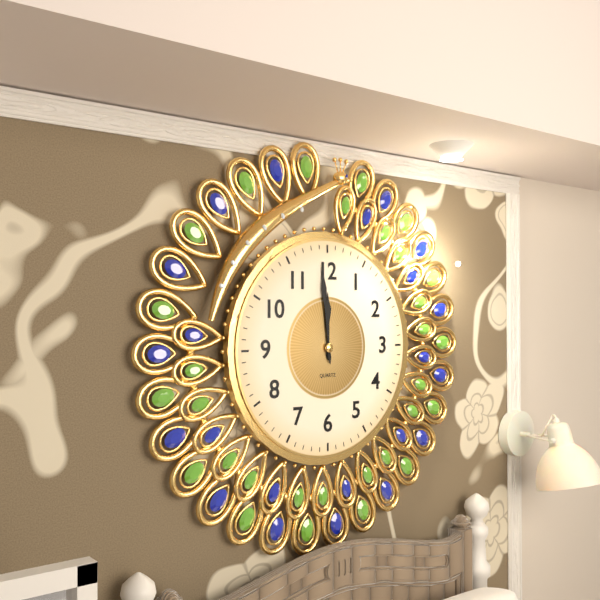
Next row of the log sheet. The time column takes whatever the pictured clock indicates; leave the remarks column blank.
11:59
